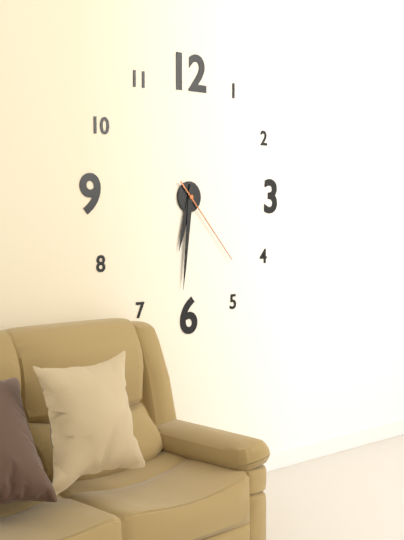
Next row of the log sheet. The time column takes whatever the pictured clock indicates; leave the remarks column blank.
6:31:23
